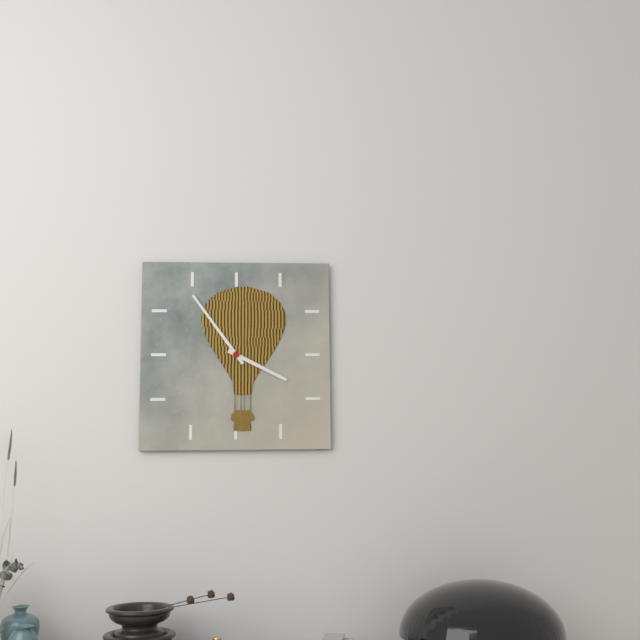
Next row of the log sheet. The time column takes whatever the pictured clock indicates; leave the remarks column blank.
3:54
